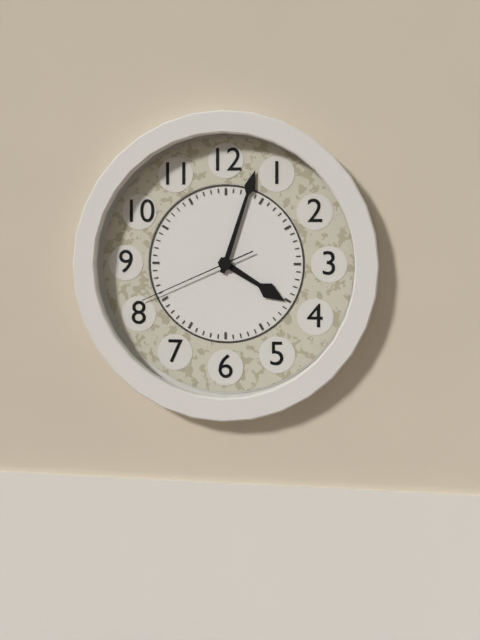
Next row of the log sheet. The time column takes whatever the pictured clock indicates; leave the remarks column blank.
4:03:41
